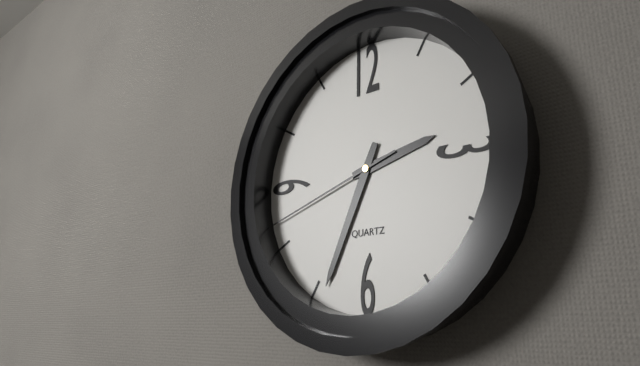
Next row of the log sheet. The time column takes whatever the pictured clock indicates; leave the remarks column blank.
2:34:42
